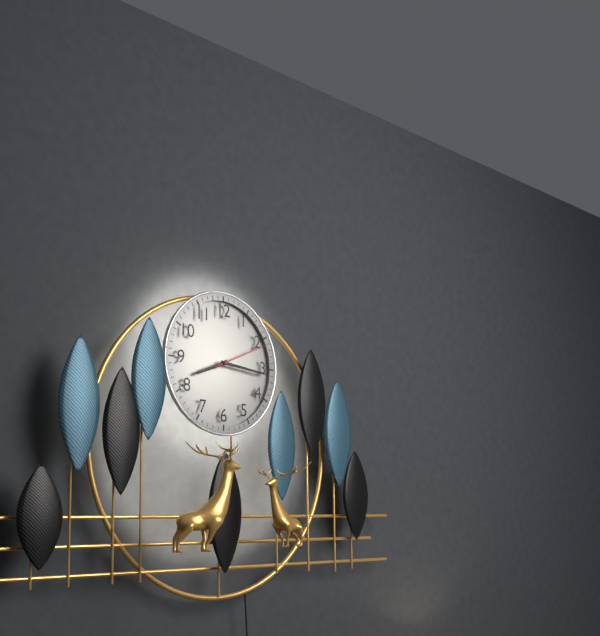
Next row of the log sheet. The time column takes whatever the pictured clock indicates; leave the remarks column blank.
8:16:11
